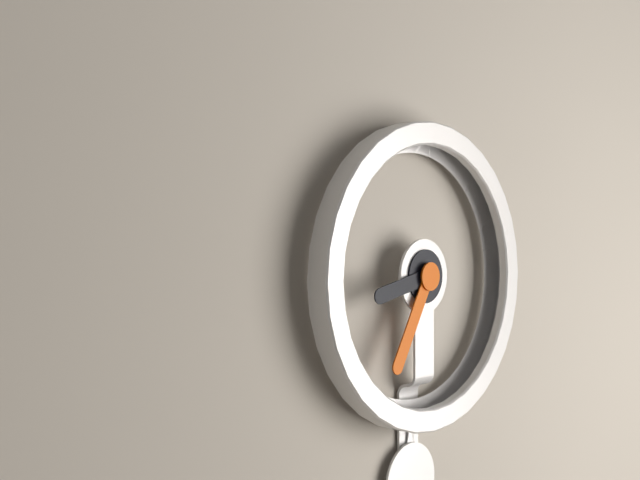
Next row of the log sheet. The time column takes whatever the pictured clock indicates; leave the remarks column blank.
8:35
